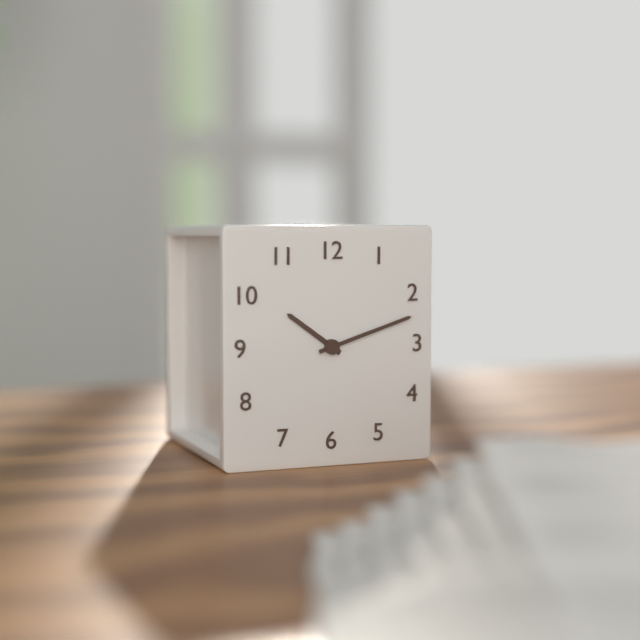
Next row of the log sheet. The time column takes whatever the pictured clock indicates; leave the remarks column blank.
10:12
